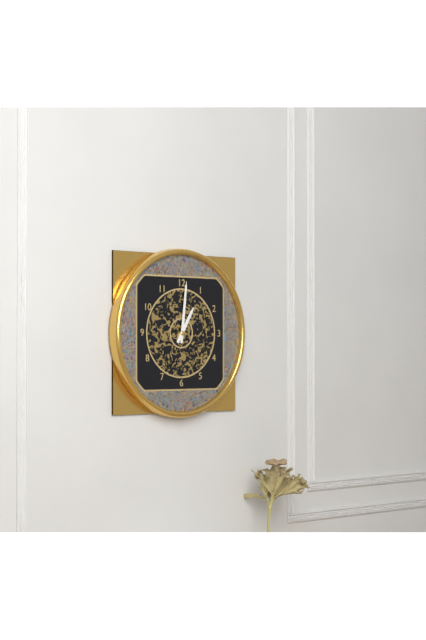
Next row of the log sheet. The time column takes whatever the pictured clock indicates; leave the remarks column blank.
1:01
